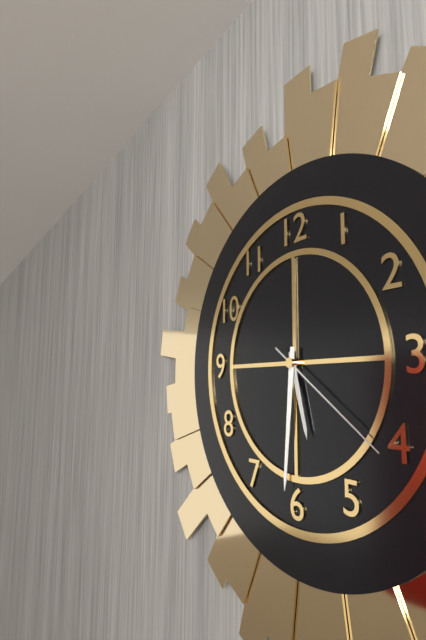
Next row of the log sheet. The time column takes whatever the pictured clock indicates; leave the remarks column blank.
5:31:21
